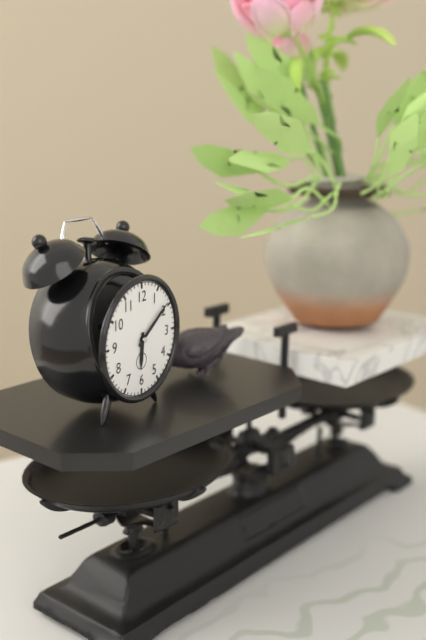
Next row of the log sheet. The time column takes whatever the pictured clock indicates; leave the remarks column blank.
6:09
